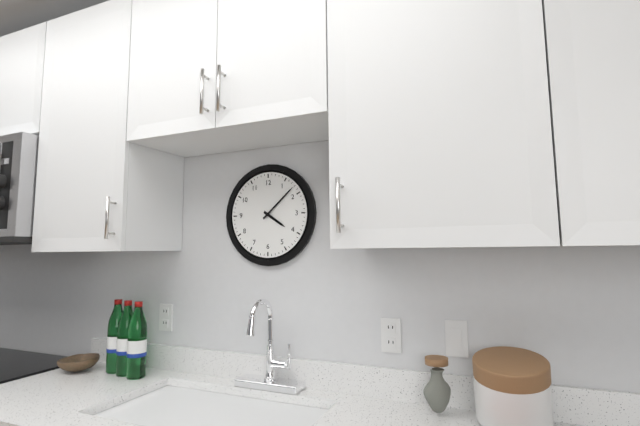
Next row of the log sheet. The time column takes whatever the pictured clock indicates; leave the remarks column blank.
4:08
